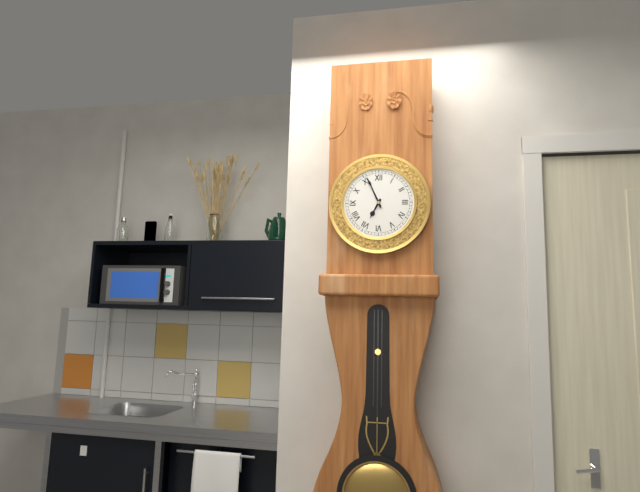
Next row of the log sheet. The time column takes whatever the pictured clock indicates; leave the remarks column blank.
6:56
